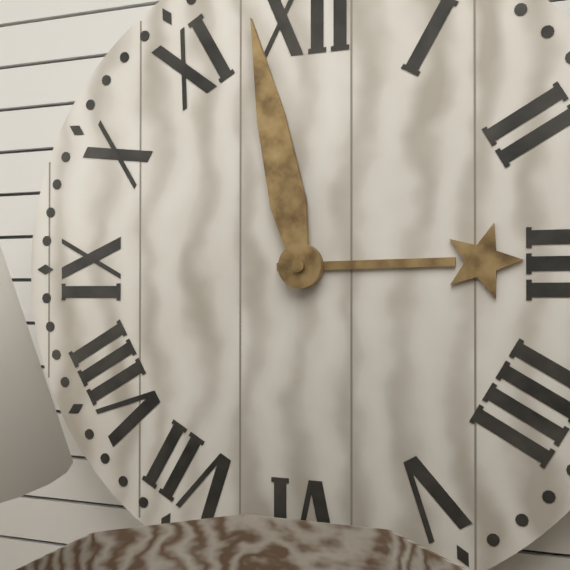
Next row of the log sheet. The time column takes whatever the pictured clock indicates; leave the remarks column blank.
2:58
